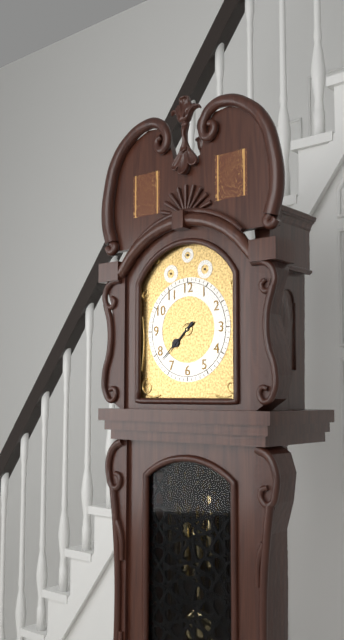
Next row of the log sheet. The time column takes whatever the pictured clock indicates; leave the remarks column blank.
7:38
